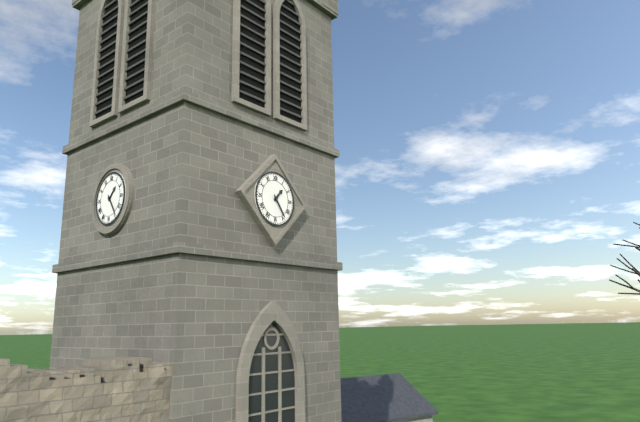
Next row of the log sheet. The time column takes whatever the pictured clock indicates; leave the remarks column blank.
1:24
